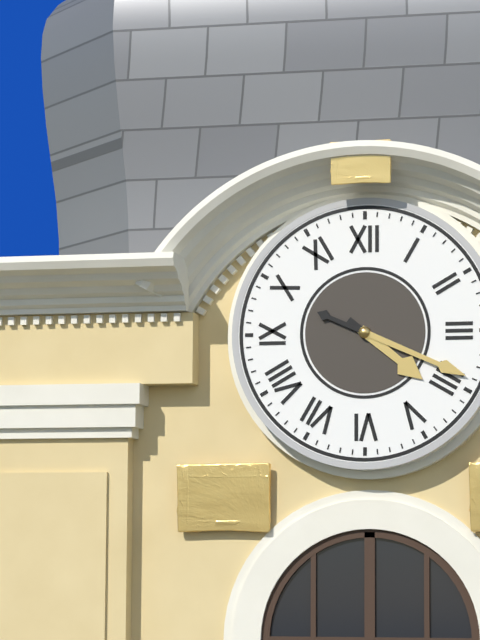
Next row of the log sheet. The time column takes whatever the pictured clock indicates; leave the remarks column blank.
4:19
